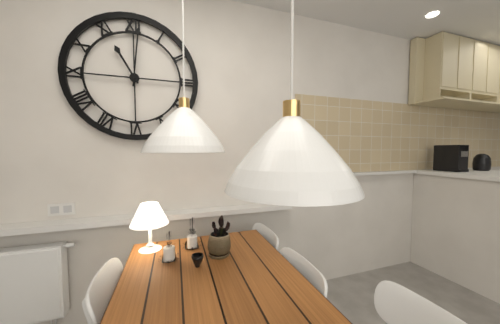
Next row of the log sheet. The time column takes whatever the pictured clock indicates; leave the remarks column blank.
11:01
